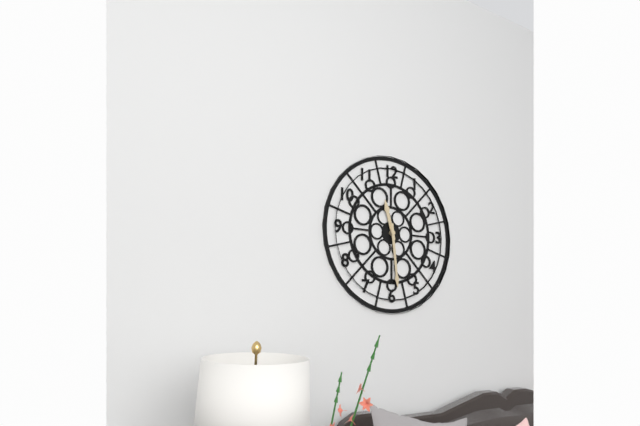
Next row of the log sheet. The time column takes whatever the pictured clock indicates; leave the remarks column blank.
11:29
